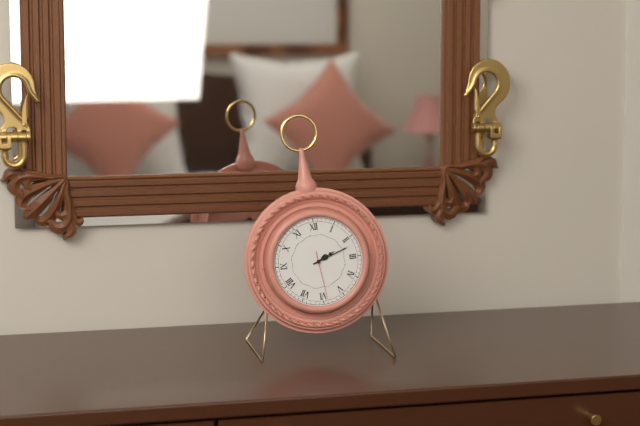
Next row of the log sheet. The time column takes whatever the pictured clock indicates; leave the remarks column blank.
2:12
